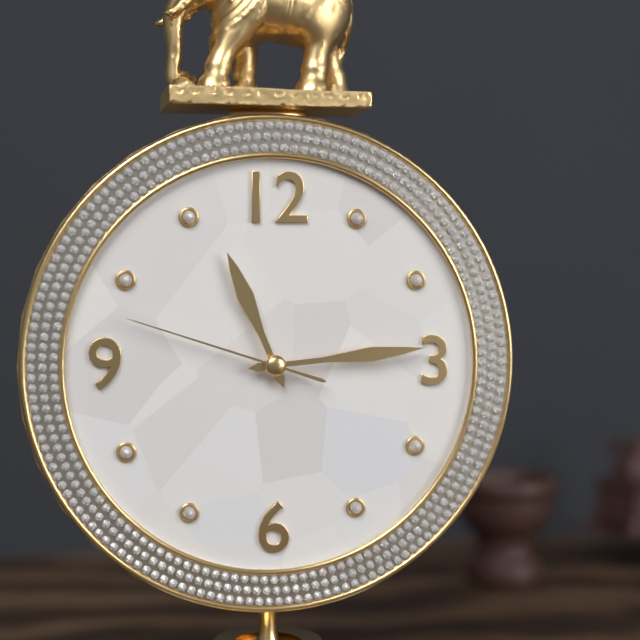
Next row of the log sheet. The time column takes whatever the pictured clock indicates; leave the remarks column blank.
11:14:48
